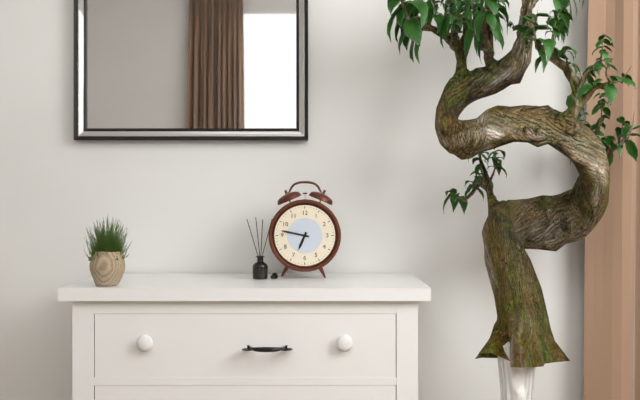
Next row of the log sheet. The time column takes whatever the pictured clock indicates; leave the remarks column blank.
6:47
